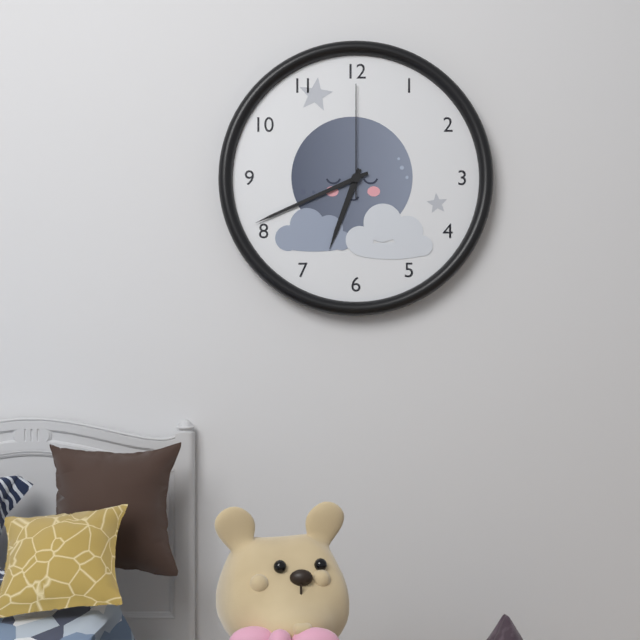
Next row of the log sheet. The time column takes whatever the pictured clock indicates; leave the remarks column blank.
6:41:00
